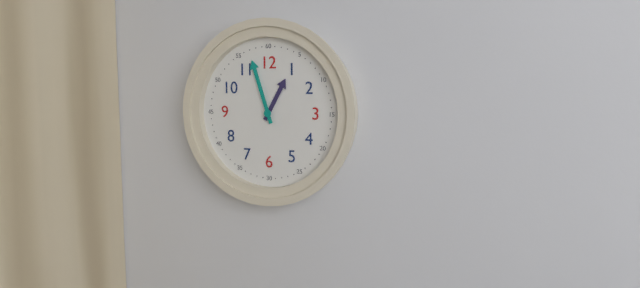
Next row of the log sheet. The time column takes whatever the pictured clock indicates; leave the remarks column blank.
12:57
